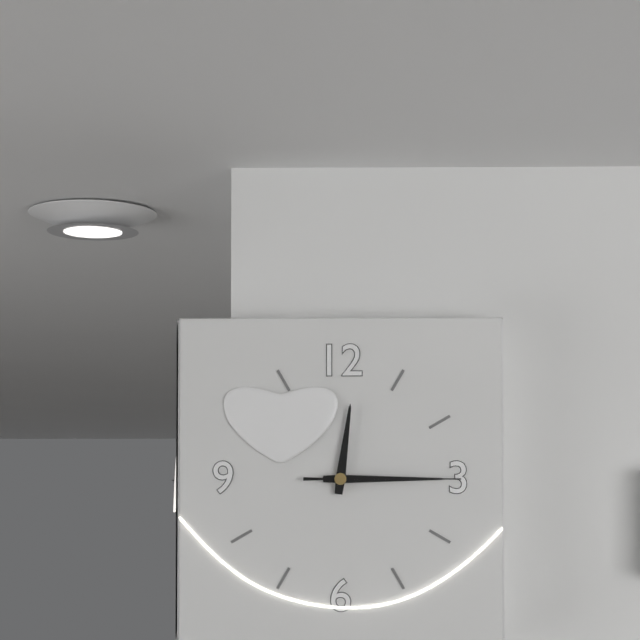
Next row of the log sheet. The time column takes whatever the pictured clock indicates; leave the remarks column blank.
12:15:15
